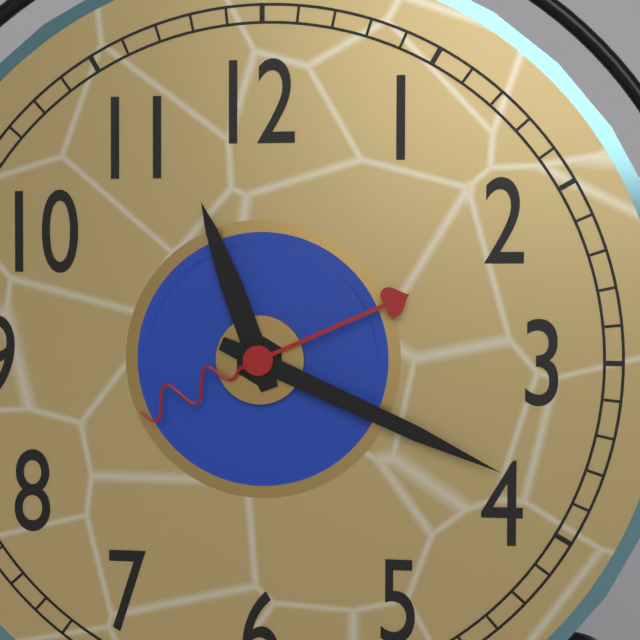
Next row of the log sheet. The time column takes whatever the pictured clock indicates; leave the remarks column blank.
11:19:11
